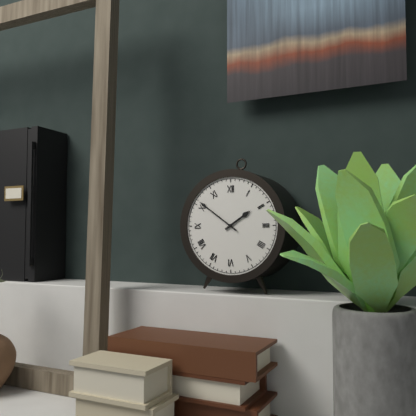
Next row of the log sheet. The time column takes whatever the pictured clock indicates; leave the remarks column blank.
1:51
